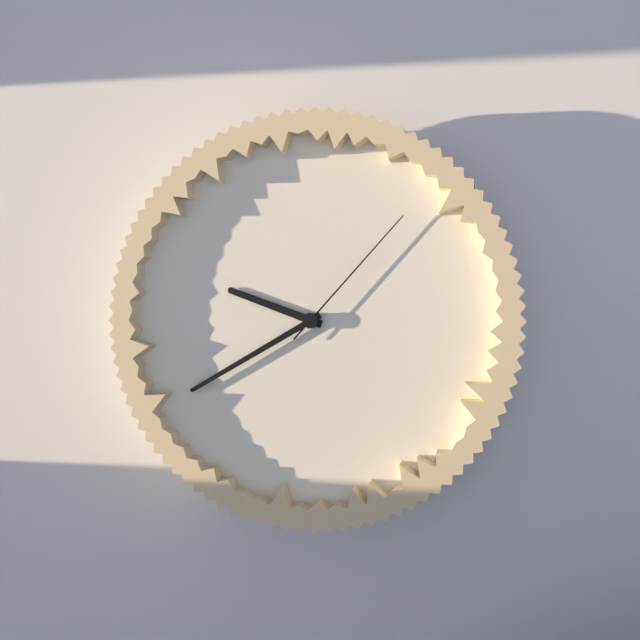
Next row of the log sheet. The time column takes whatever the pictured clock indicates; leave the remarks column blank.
9:40:07
